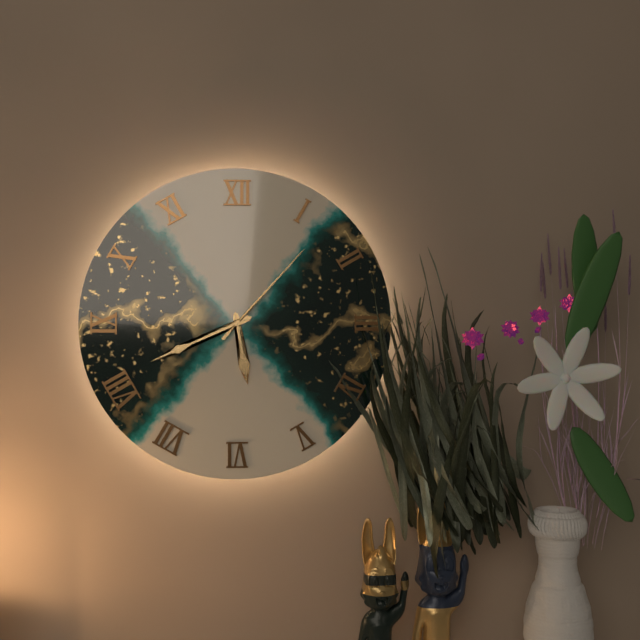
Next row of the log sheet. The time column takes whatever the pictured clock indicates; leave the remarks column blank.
5:41:07
